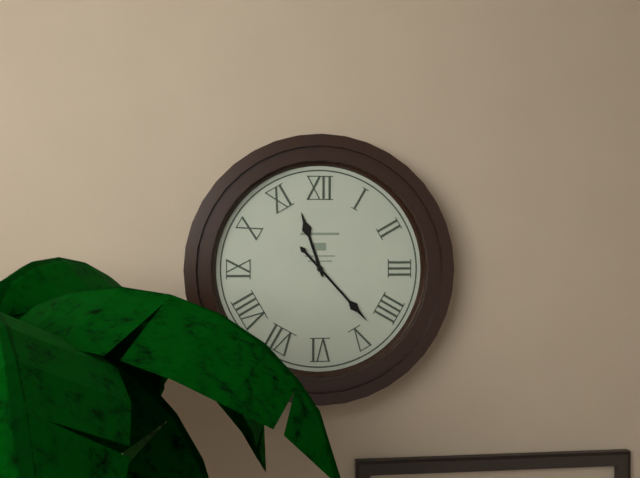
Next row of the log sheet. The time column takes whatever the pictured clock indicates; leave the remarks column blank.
11:23
